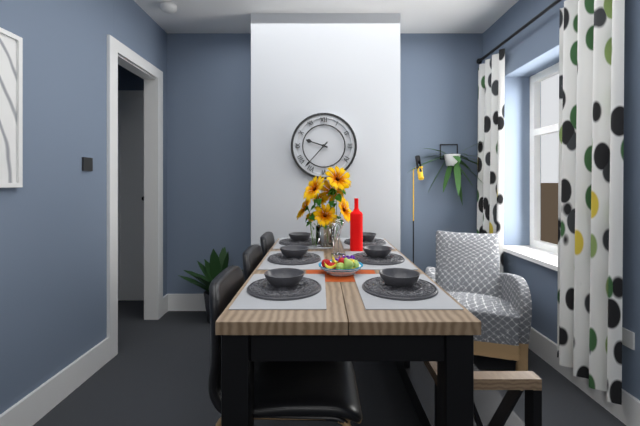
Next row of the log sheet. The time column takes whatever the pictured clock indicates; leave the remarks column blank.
9:37
